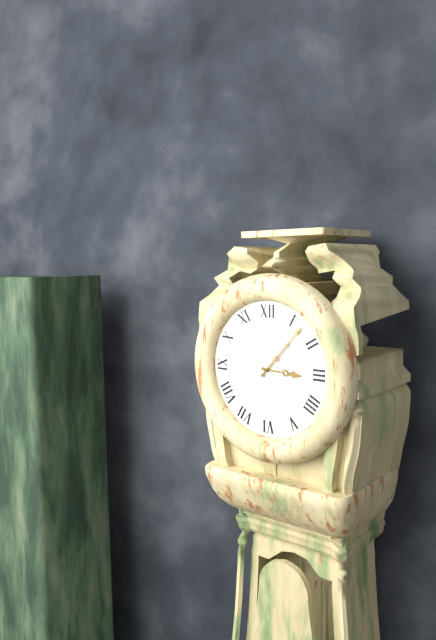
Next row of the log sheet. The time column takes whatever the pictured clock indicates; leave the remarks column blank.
3:07
